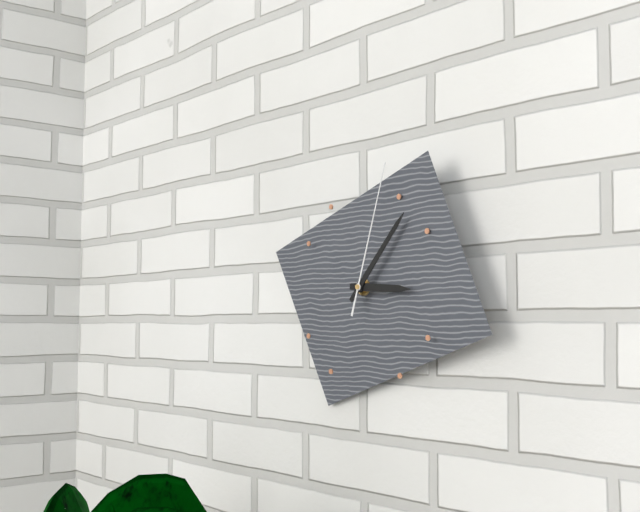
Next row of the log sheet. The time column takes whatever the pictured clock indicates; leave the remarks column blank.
3:07:03
